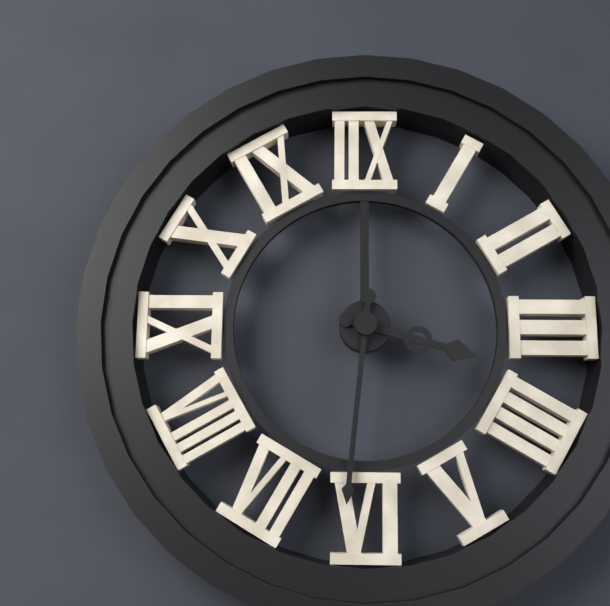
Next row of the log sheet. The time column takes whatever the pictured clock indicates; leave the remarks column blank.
3:31
